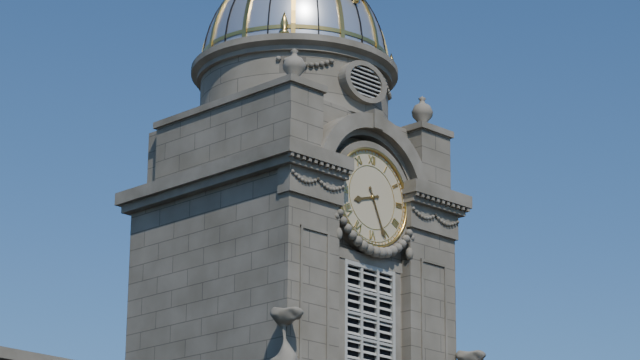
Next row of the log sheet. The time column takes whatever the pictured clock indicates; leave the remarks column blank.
8:26
